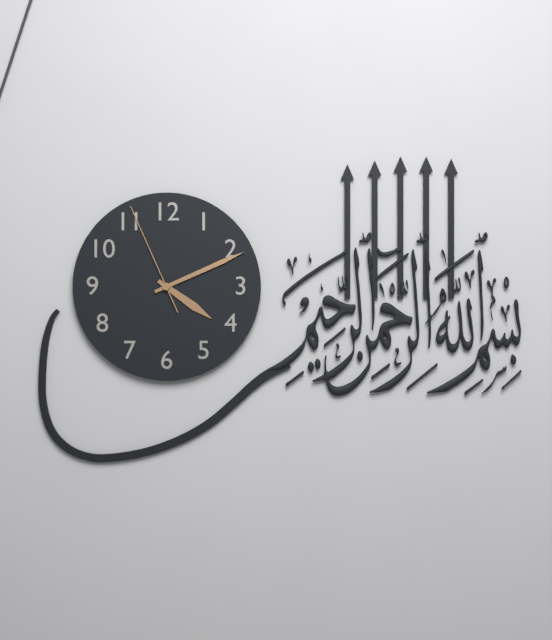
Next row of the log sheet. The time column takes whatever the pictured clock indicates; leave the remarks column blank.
4:11:56
